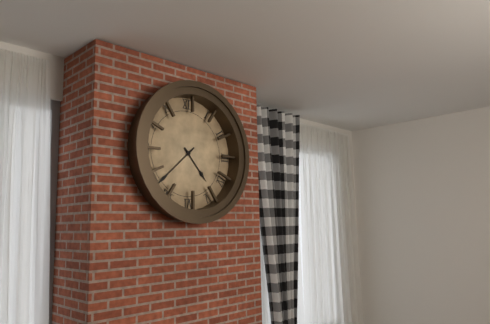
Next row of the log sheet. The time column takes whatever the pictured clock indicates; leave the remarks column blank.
4:38
